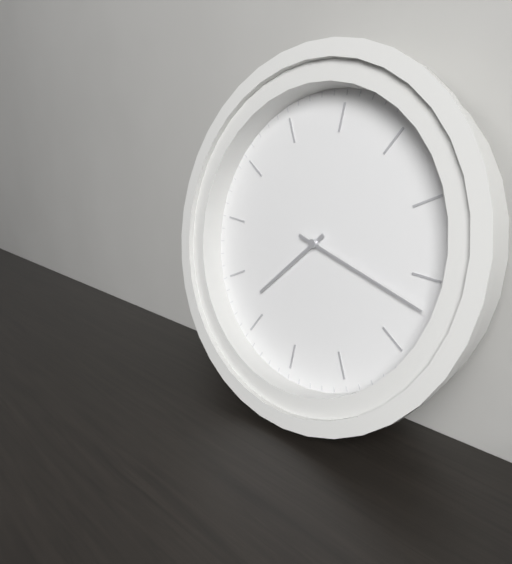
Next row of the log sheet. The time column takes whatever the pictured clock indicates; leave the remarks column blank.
8:22
